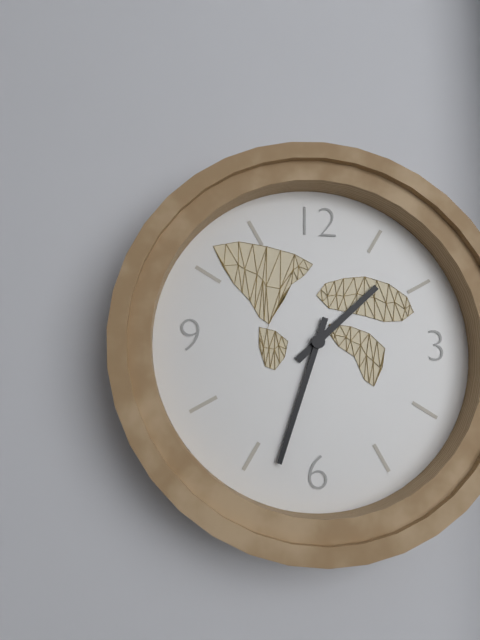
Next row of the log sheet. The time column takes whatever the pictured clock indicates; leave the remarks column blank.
1:33
